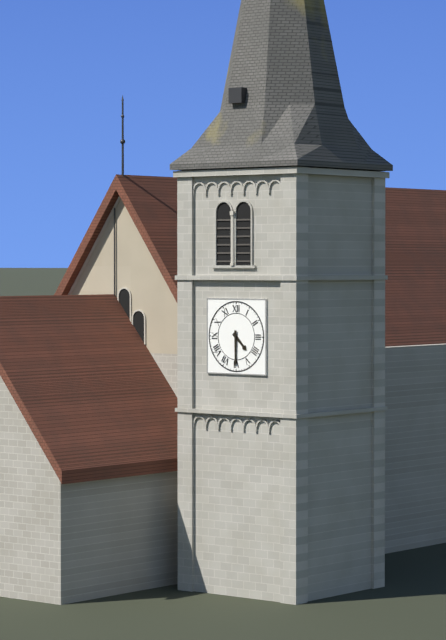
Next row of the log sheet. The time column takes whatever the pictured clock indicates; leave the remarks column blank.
4:30
